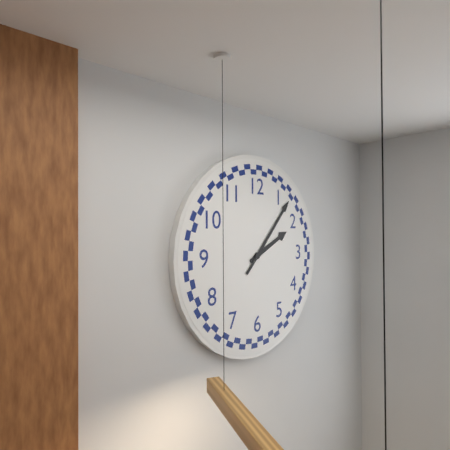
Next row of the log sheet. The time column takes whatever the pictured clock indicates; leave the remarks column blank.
2:07
